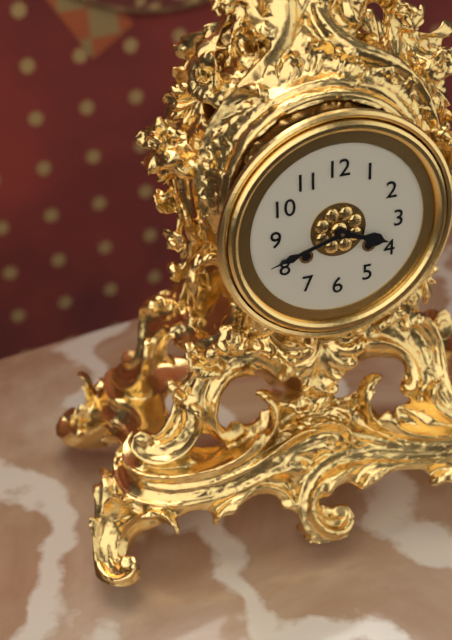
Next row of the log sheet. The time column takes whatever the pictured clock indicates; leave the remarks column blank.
3:42
